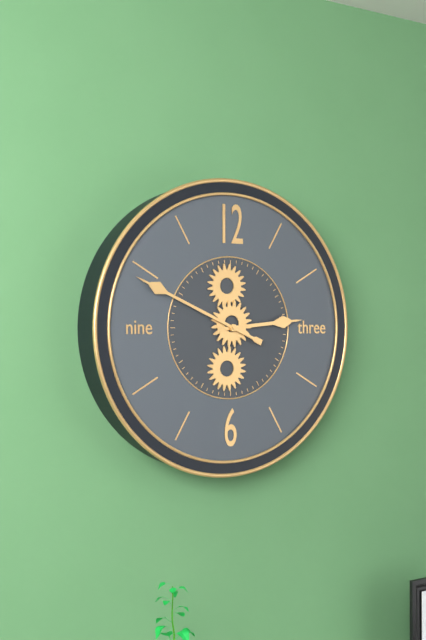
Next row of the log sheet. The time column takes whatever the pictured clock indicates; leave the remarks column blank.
2:49
